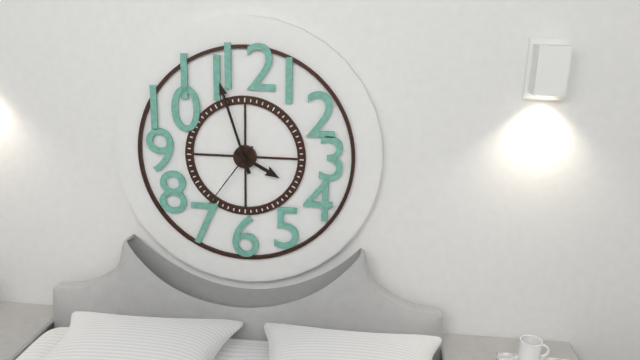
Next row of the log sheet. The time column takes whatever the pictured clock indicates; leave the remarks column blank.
3:57:36
